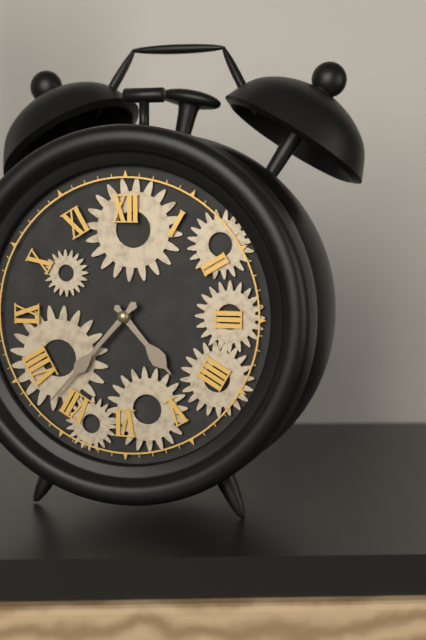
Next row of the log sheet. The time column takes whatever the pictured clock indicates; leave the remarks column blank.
4:37
